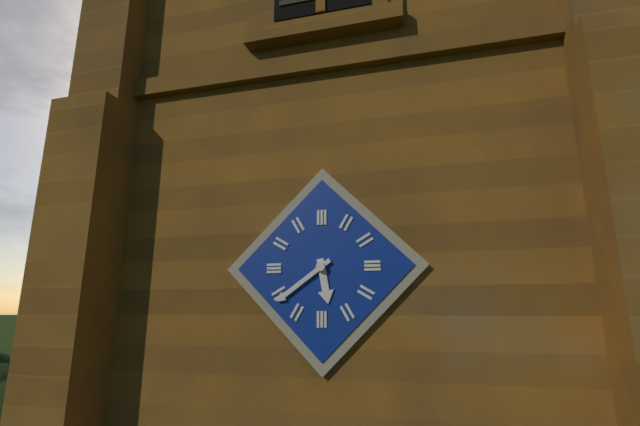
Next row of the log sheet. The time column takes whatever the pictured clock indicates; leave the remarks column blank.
5:39
